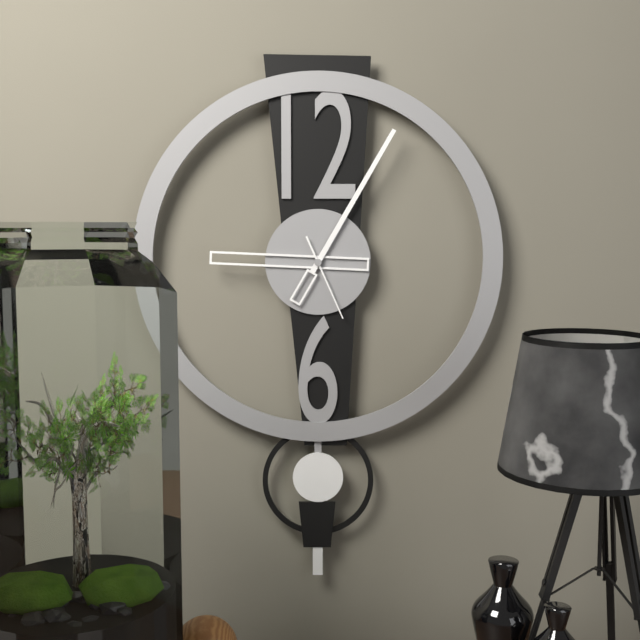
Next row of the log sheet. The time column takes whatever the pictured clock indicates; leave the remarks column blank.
9:05:26
